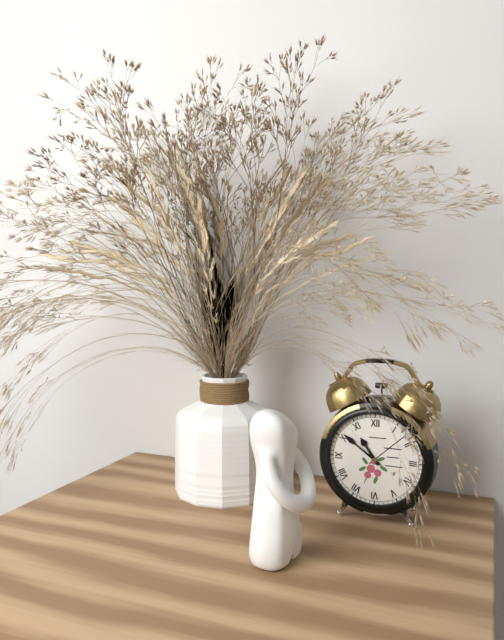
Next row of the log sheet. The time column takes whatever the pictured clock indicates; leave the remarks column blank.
10:51
